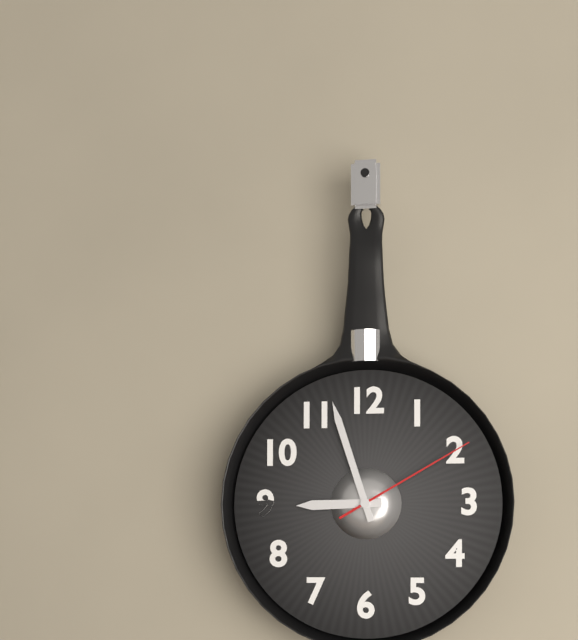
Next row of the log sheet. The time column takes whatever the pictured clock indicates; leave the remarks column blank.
8:57:10
